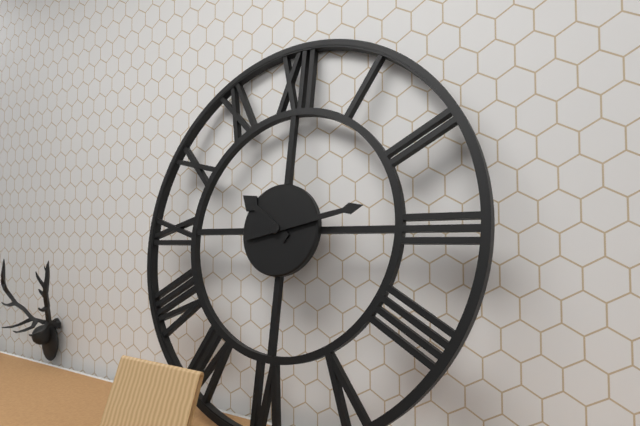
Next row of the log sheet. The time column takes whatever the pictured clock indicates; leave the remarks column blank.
10:13
